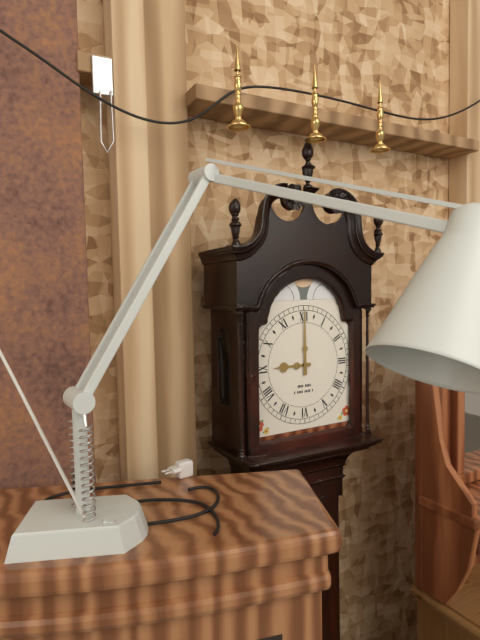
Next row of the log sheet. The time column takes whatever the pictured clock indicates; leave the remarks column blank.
9:00
